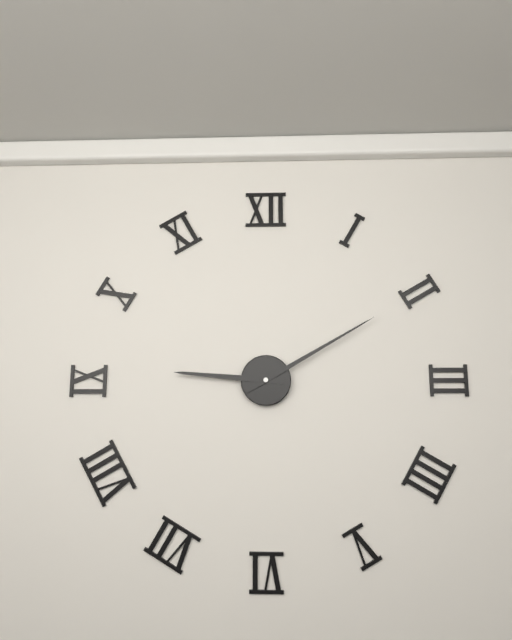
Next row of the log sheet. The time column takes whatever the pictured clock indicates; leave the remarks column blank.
9:10
